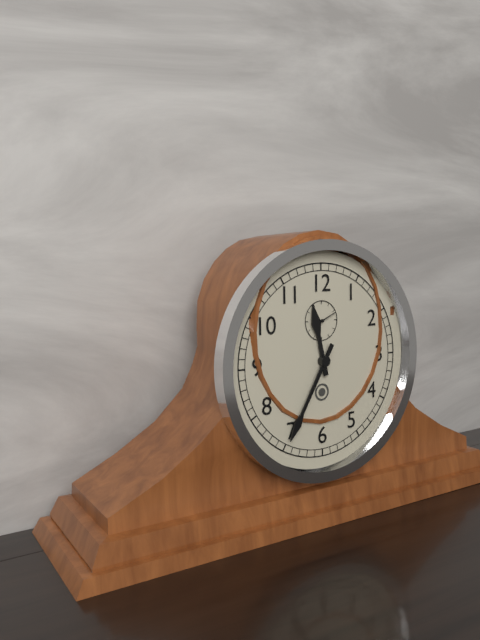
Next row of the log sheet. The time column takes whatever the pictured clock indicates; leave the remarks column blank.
11:35
